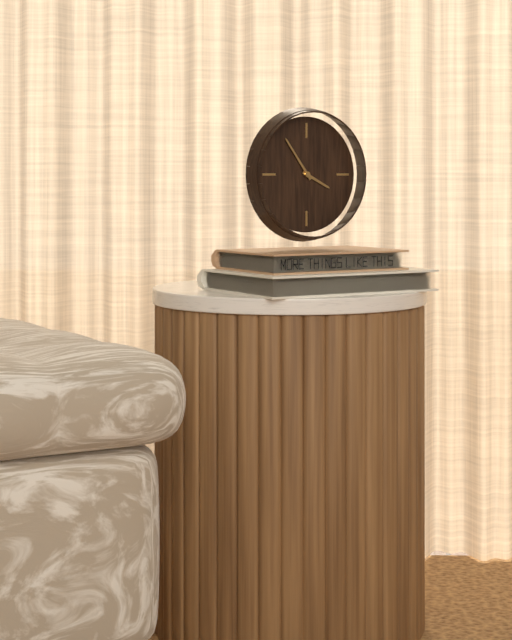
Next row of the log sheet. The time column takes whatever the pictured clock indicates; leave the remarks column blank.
3:54
